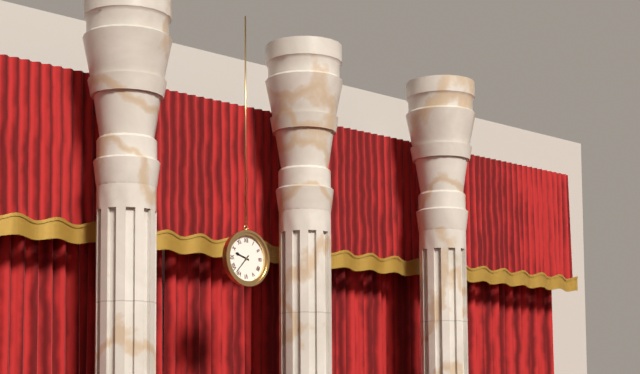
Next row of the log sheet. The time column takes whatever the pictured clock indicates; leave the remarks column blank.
9:37
